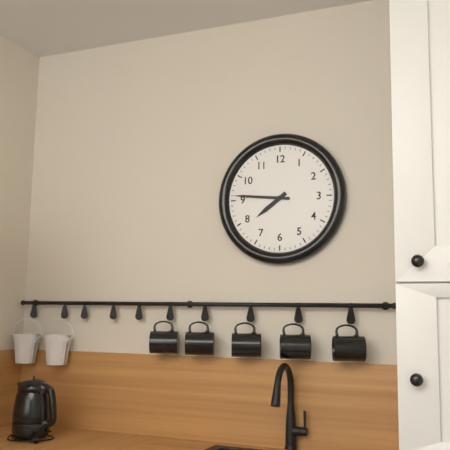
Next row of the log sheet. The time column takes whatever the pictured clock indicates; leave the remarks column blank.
7:46
